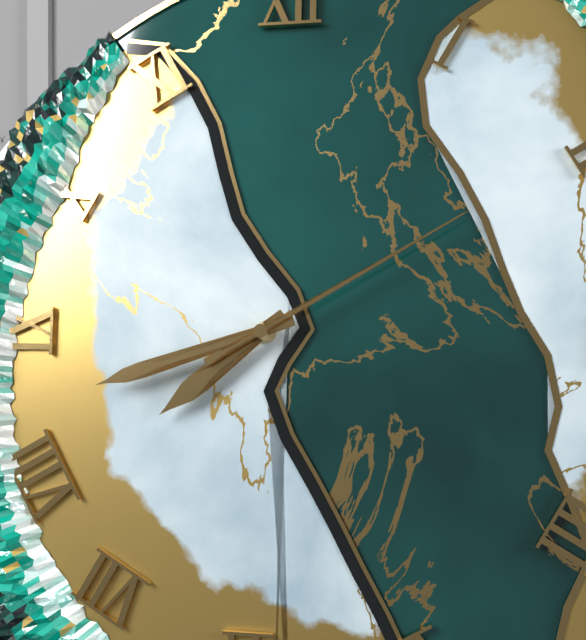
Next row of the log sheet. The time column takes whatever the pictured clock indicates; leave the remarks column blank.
7:42:10
